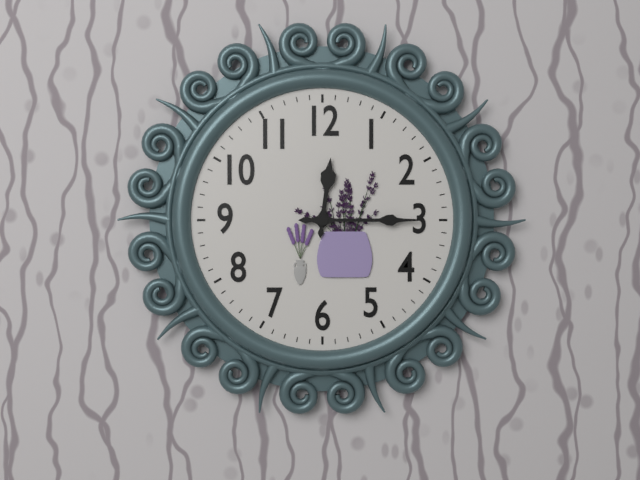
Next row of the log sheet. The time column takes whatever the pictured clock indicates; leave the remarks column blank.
12:15
